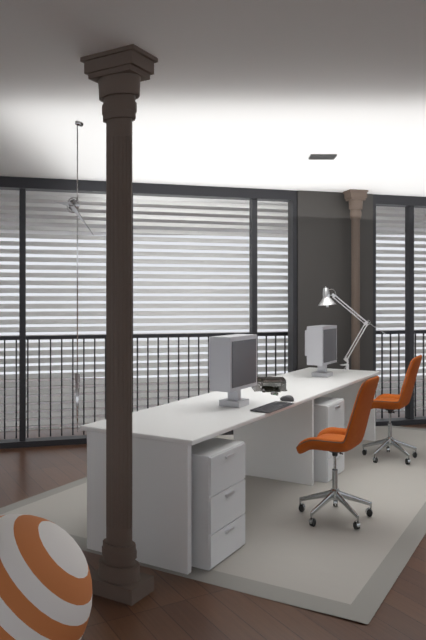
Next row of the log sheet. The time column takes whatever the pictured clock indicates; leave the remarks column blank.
9:23
